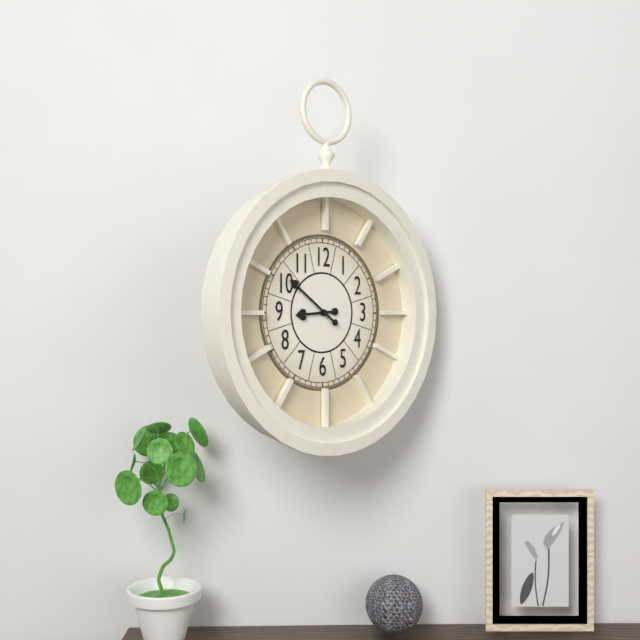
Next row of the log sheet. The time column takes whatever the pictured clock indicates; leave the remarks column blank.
8:51
